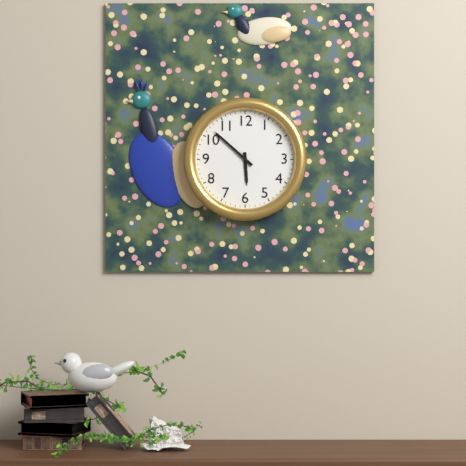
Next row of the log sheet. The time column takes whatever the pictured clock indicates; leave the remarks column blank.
5:52
